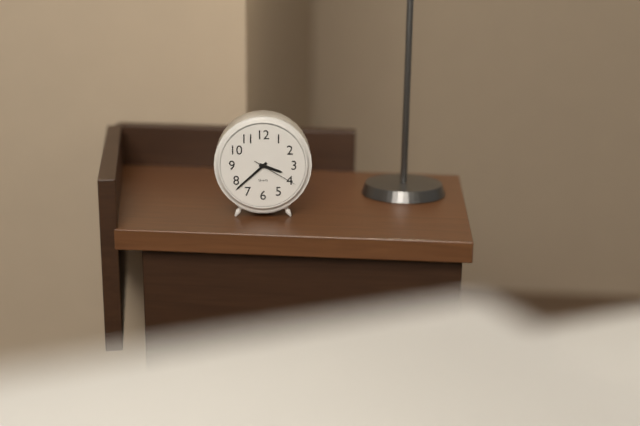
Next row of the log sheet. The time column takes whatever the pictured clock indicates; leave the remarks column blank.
3:38
